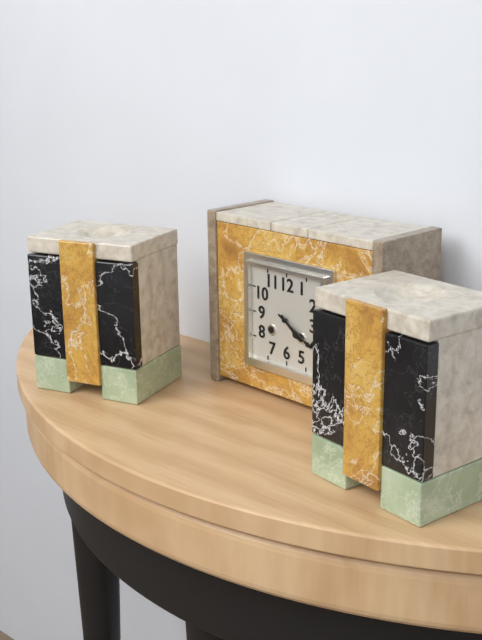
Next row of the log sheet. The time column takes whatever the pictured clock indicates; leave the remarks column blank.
4:20
